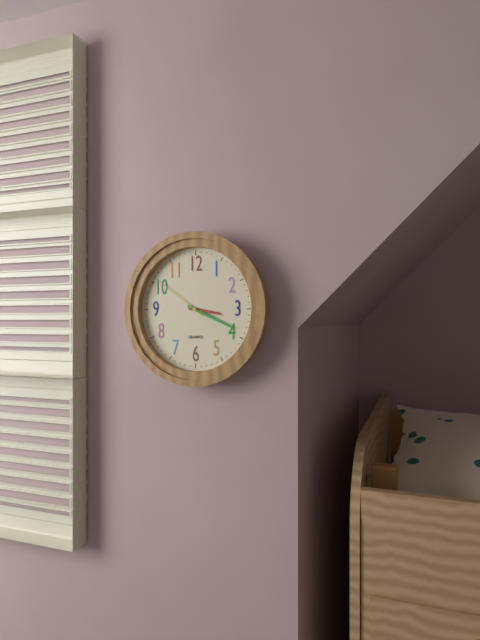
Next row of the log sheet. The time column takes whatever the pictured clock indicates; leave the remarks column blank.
3:19:51
